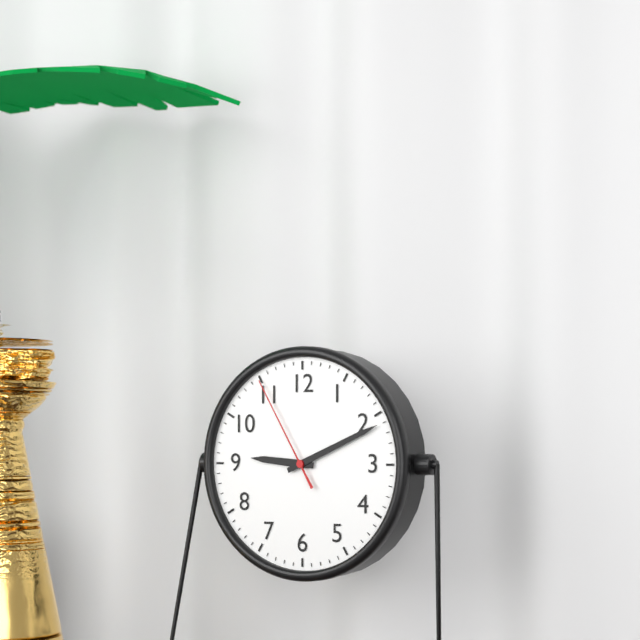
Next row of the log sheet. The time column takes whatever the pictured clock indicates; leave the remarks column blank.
9:11:55
